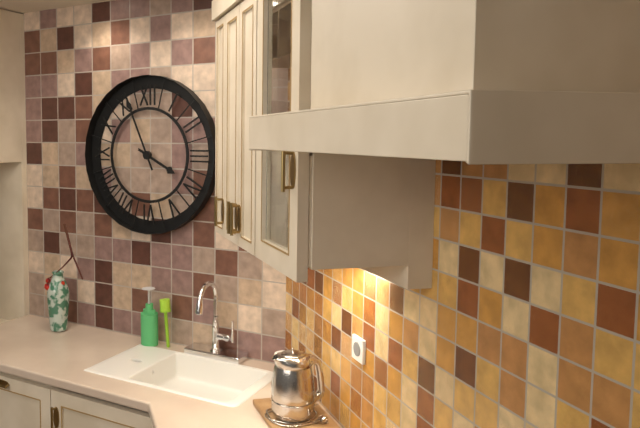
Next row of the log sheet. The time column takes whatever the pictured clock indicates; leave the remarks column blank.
3:56
